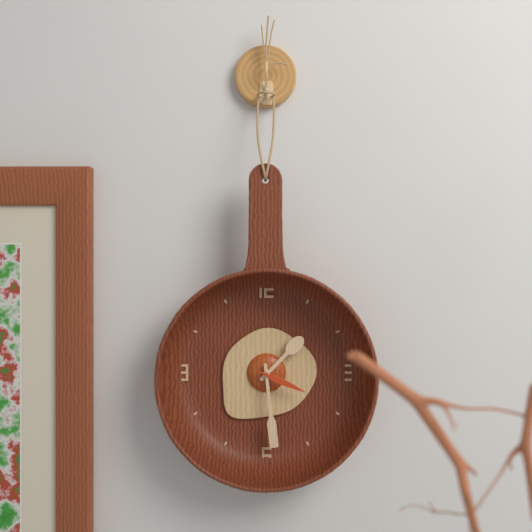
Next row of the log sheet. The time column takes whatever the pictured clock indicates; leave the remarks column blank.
1:29:19
